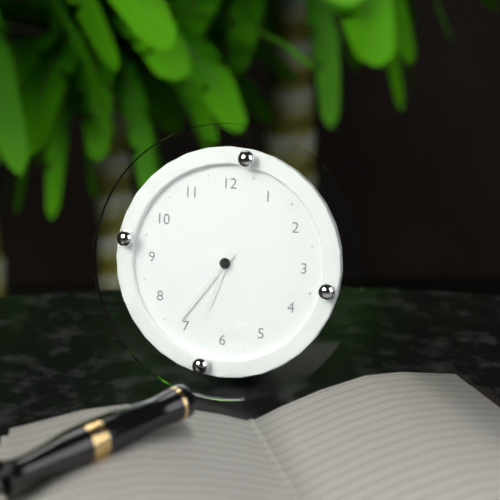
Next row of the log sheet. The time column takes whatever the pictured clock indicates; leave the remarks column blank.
6:36
